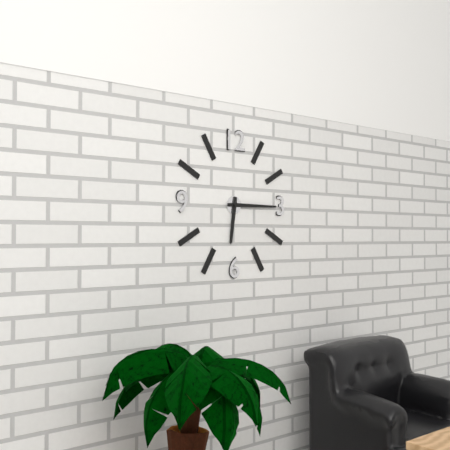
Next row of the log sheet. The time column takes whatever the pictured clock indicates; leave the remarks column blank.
6:15
